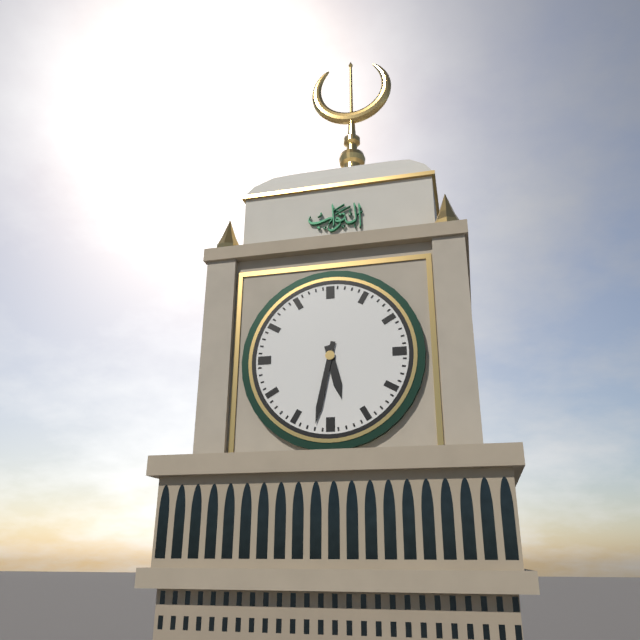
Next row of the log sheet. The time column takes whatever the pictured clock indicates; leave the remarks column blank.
5:32
